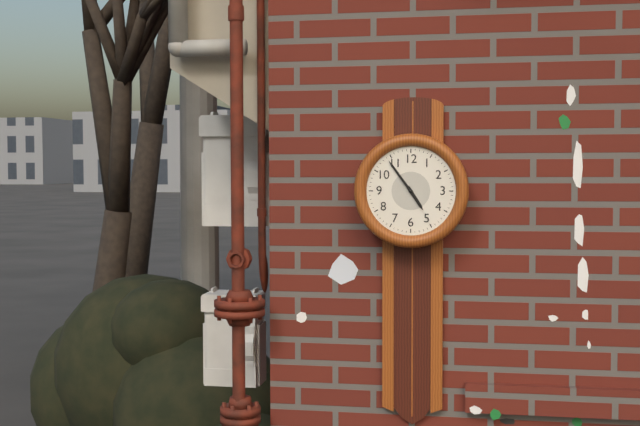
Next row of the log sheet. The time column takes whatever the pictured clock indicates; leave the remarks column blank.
4:54
